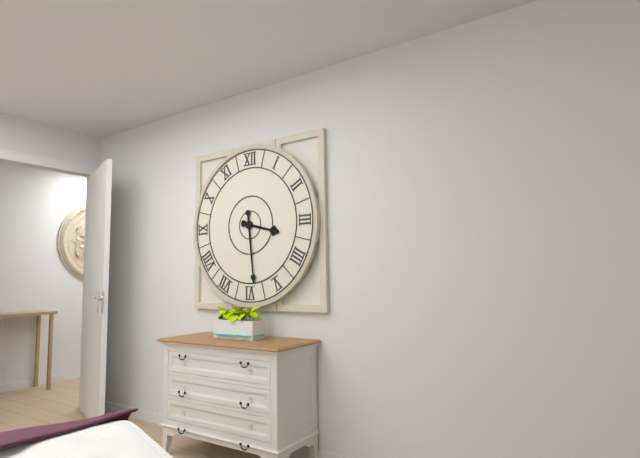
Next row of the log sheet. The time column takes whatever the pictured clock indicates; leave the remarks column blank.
3:29
